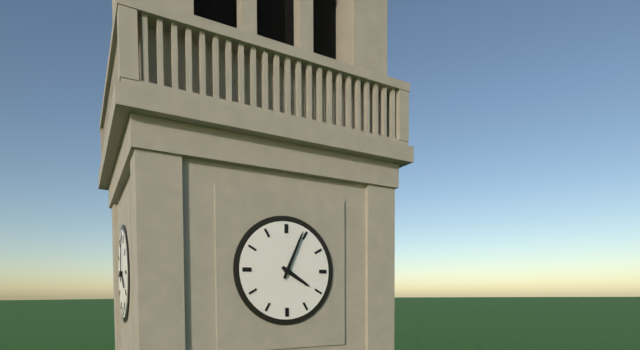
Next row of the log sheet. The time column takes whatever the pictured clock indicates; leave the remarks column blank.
4:04
